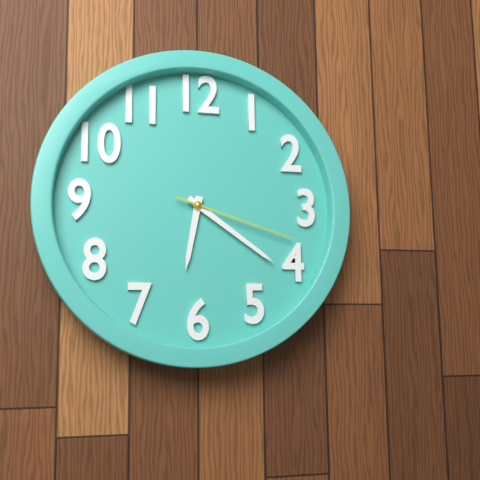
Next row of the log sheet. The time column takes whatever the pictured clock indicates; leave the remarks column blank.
6:21:18
